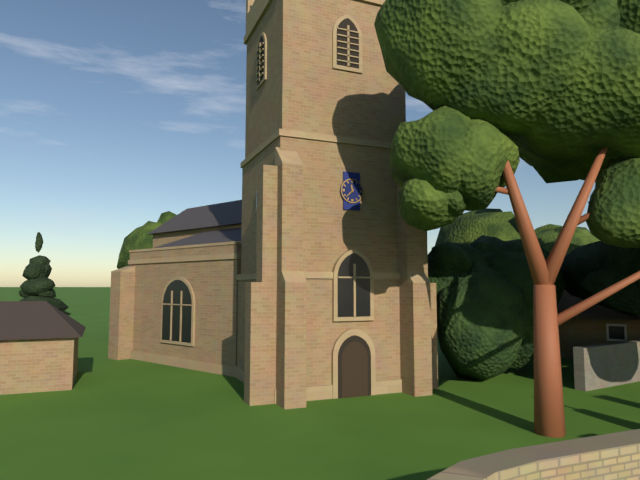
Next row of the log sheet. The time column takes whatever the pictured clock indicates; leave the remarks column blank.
11:38
